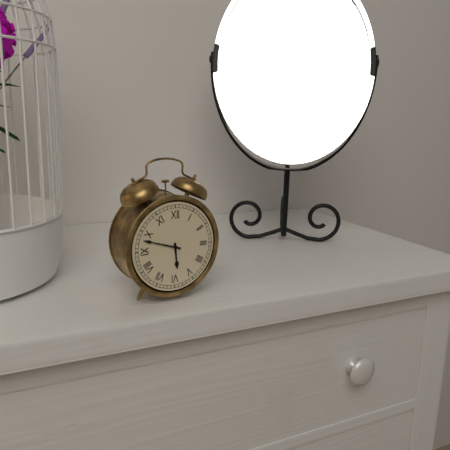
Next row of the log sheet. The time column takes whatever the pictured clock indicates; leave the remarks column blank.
5:48
